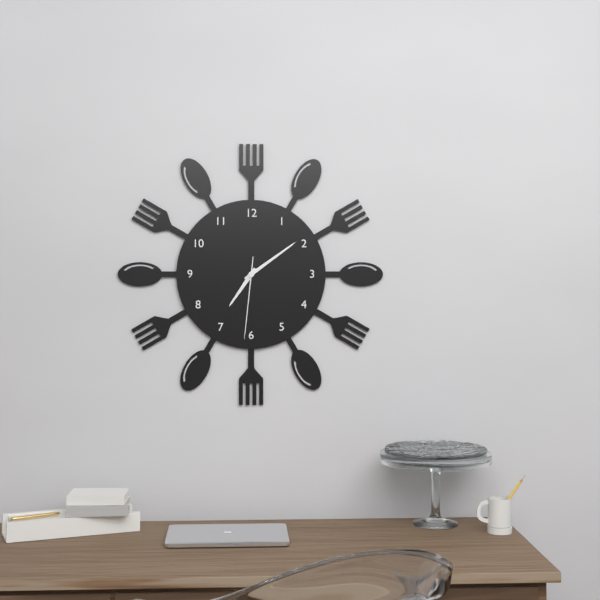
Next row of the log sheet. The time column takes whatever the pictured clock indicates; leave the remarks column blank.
7:09:31
